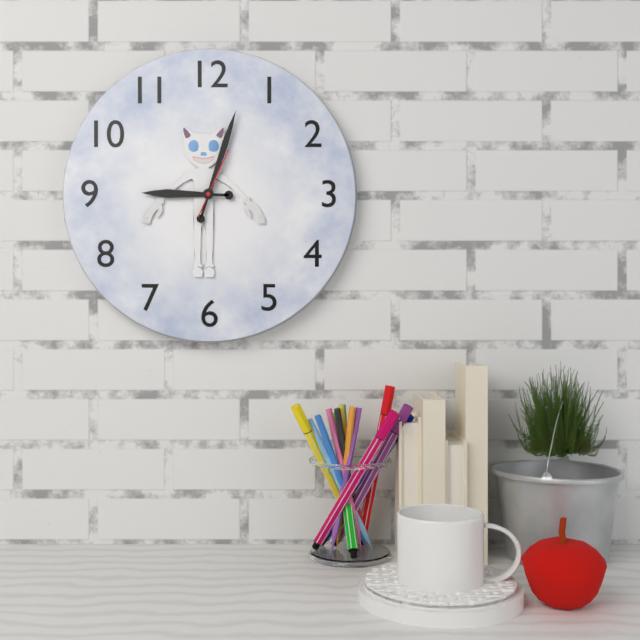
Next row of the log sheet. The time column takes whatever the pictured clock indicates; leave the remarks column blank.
9:03:04
